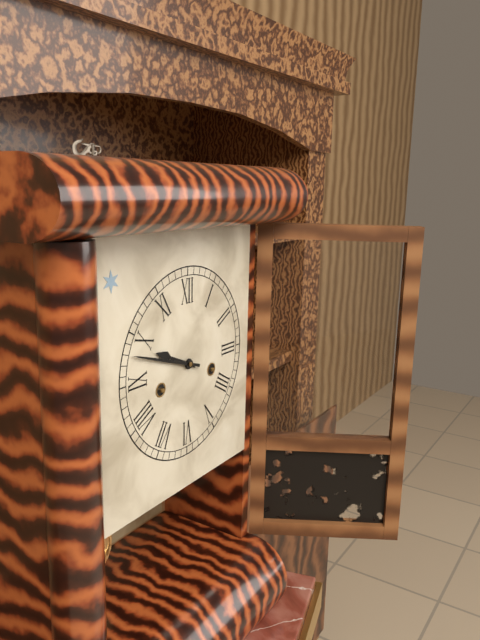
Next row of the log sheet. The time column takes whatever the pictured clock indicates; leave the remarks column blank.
9:48
